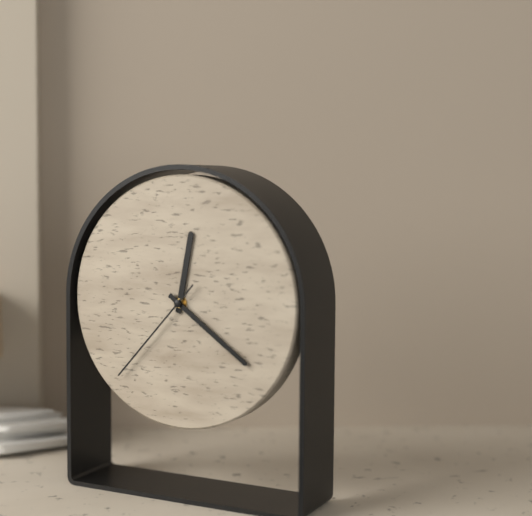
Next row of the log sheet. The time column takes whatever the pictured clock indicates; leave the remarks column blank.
12:21:37
